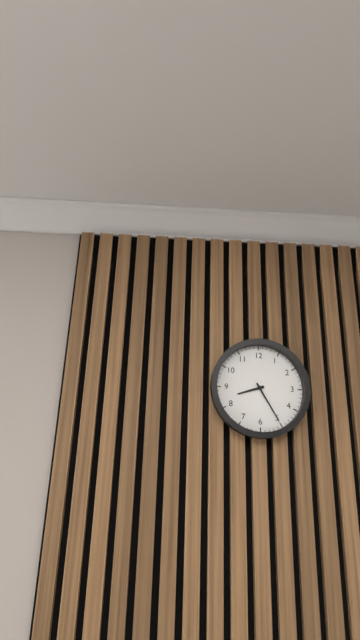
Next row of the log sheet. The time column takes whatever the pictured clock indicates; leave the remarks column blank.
8:25
